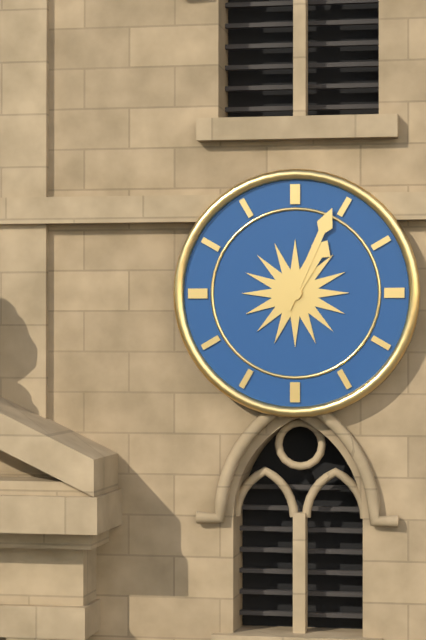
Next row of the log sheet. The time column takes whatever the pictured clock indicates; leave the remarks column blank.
1:04
